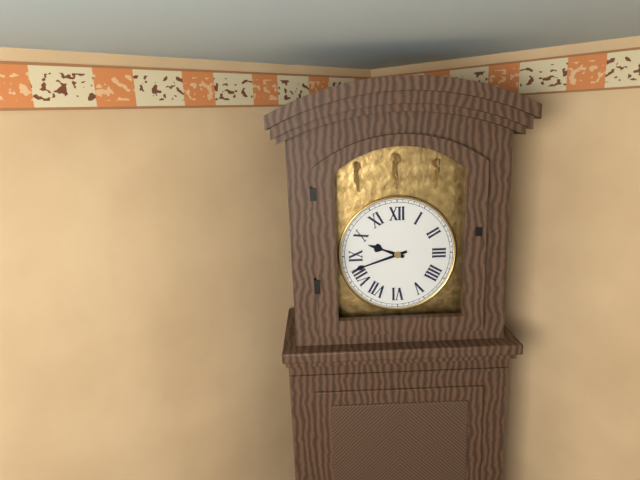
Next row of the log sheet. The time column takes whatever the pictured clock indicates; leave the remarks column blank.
9:42
